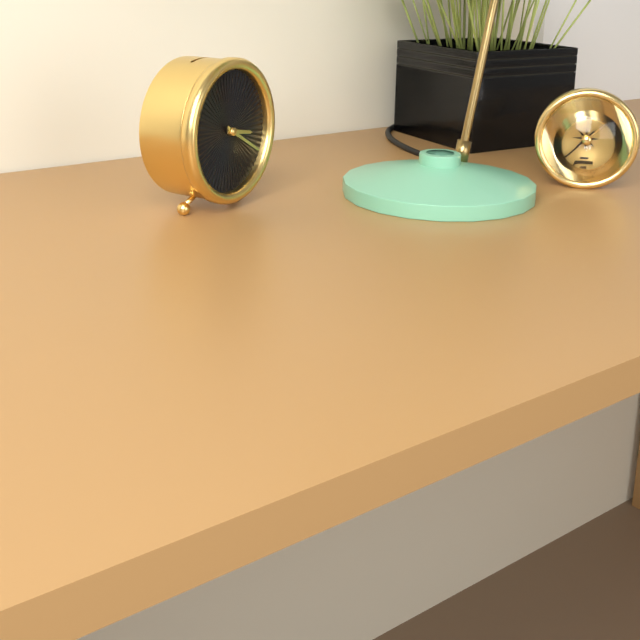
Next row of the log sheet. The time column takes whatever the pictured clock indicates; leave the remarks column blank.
3:20
